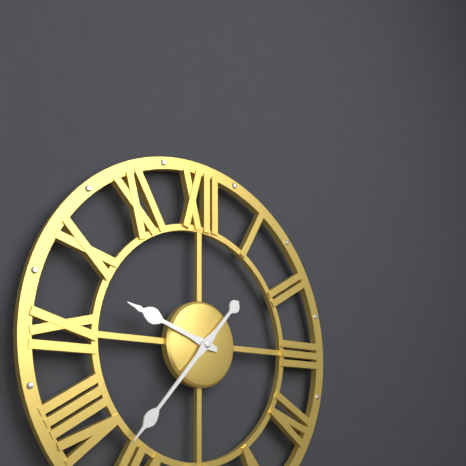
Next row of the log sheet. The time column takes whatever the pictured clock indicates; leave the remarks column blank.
9:37
